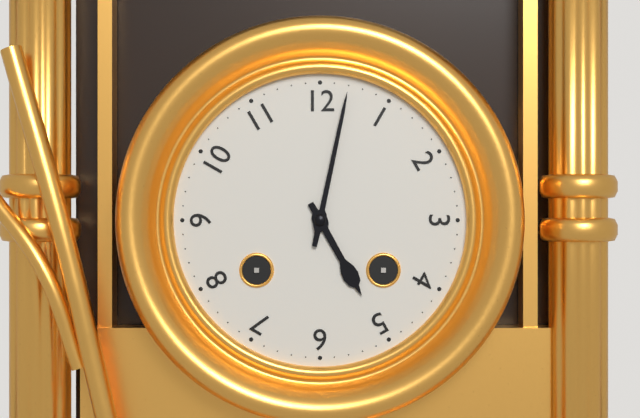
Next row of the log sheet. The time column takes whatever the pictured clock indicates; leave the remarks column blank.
5:02
